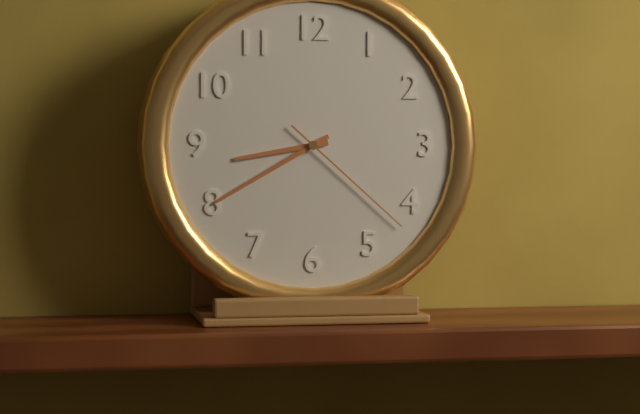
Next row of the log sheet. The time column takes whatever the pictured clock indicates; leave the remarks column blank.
8:40:22
